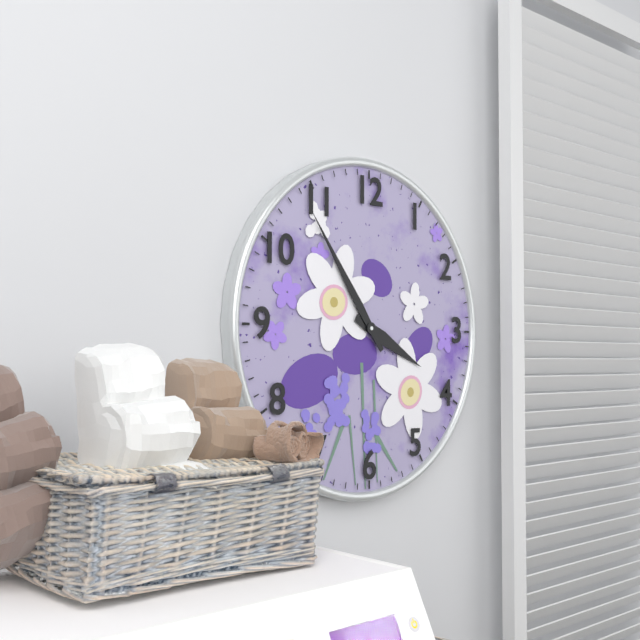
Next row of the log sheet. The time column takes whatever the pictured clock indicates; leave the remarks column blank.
3:54
